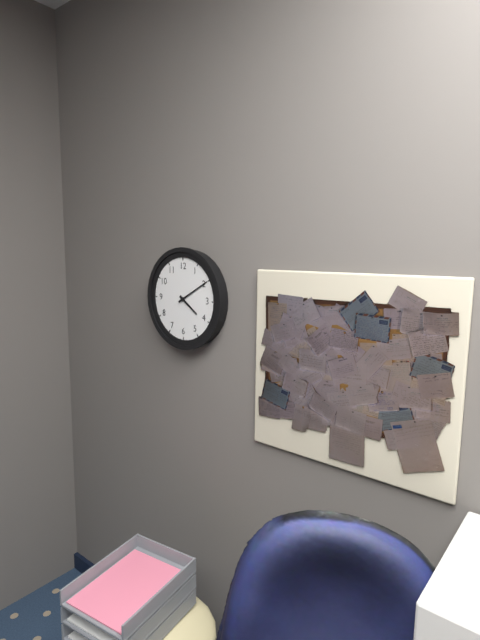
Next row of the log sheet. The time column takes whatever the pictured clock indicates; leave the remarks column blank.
4:10
